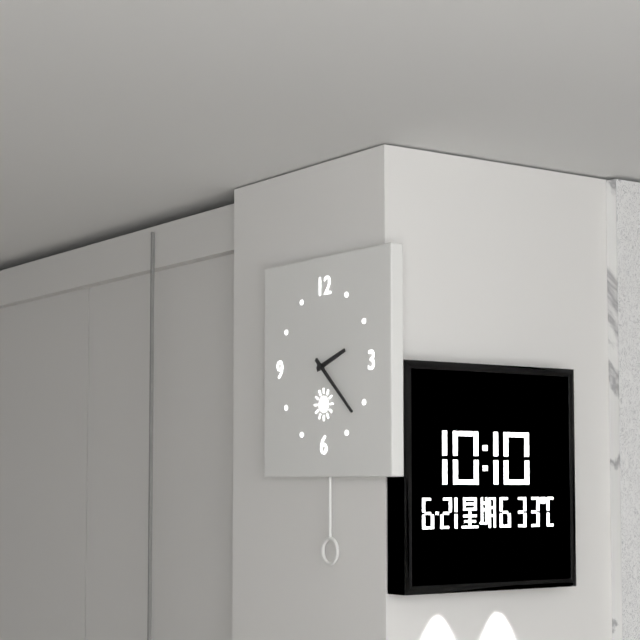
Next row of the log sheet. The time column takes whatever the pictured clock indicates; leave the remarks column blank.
2:22
